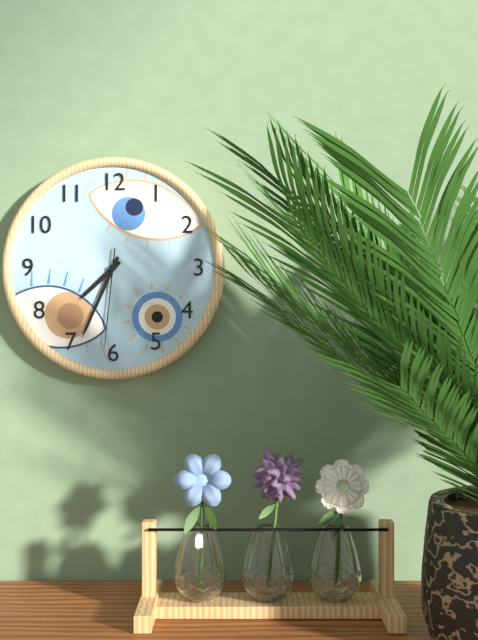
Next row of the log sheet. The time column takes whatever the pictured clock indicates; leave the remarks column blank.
7:34:31
